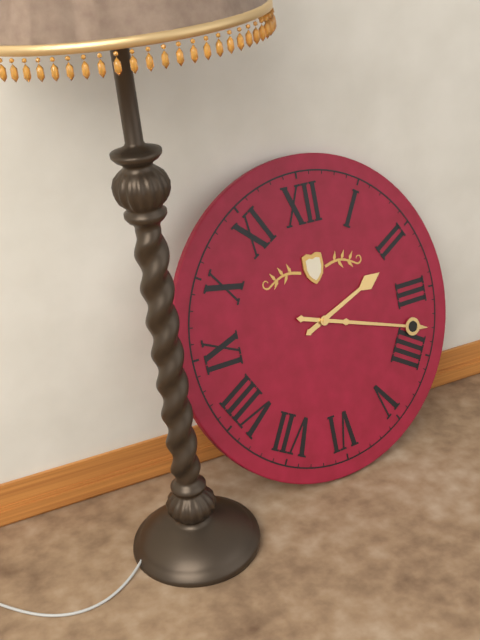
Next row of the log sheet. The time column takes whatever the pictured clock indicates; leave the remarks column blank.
2:18
